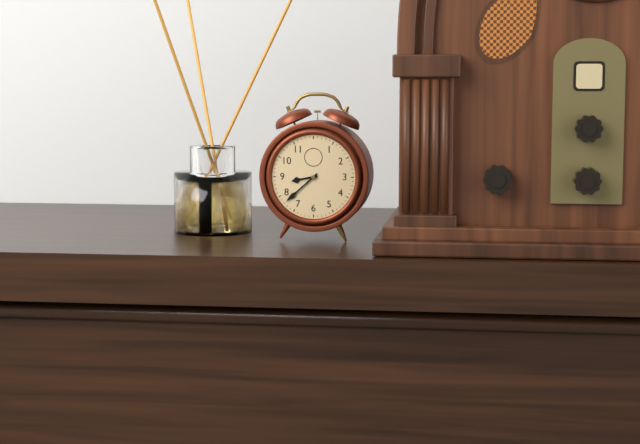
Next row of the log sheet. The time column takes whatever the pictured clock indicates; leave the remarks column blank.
8:38
